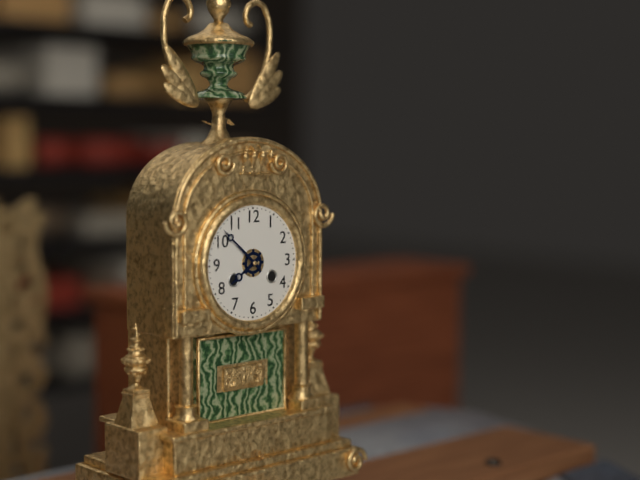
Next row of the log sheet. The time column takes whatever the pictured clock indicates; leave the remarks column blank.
7:52
